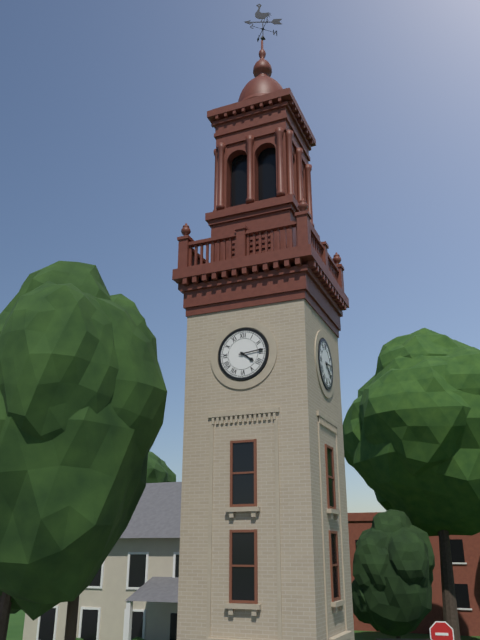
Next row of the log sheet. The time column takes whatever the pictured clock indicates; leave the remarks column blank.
4:14
